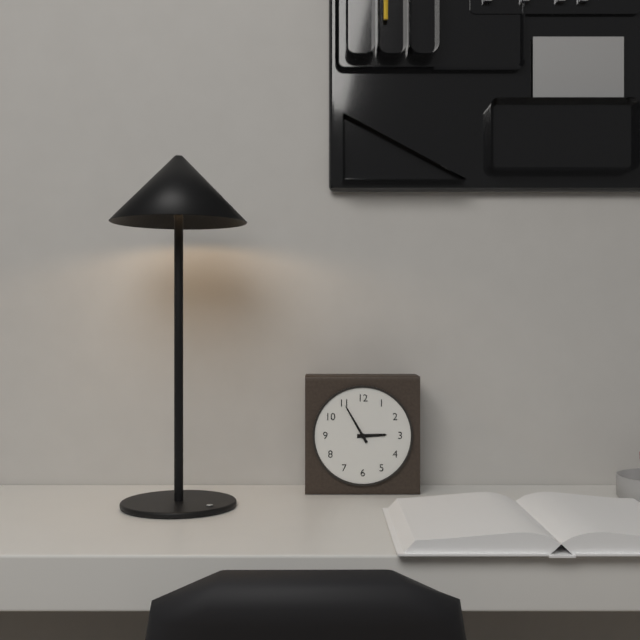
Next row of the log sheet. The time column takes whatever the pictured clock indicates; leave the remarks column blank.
2:55
